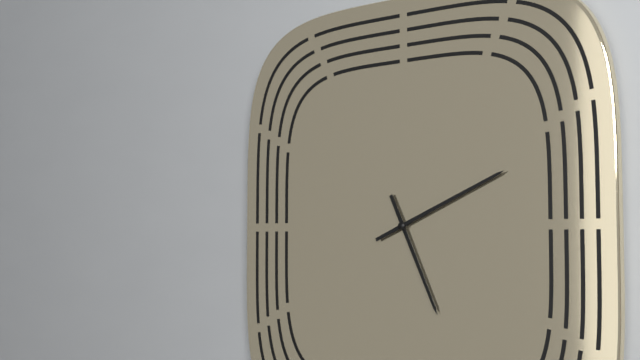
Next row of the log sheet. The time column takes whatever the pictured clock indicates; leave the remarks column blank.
5:11
